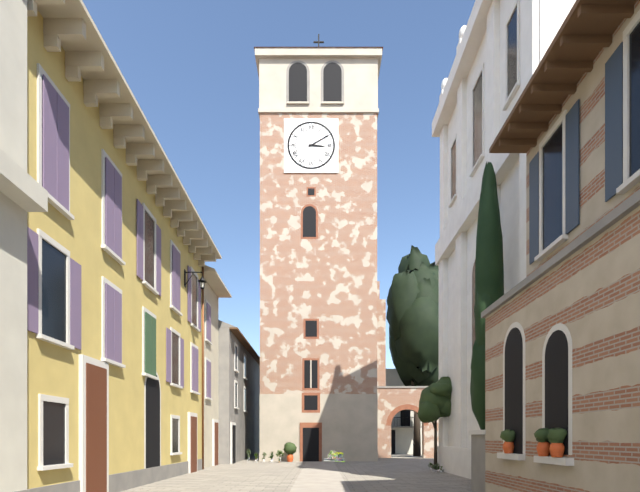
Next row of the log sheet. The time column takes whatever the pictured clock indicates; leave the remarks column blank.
3:10
